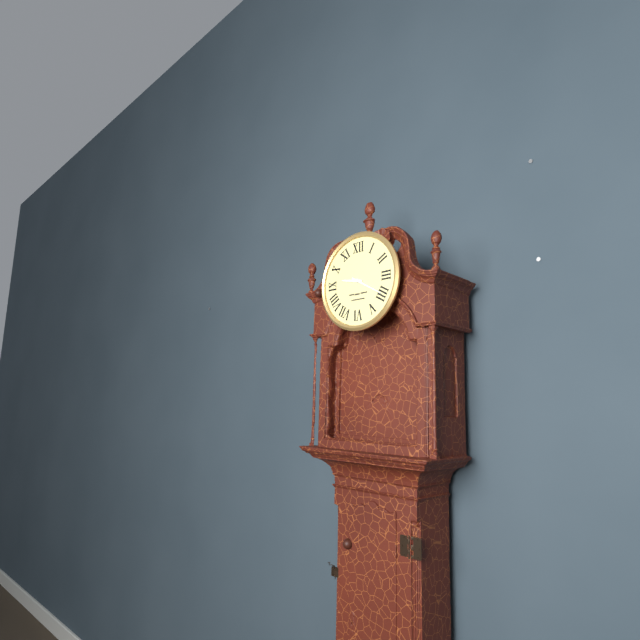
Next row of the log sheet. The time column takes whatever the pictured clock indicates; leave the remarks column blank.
9:20
